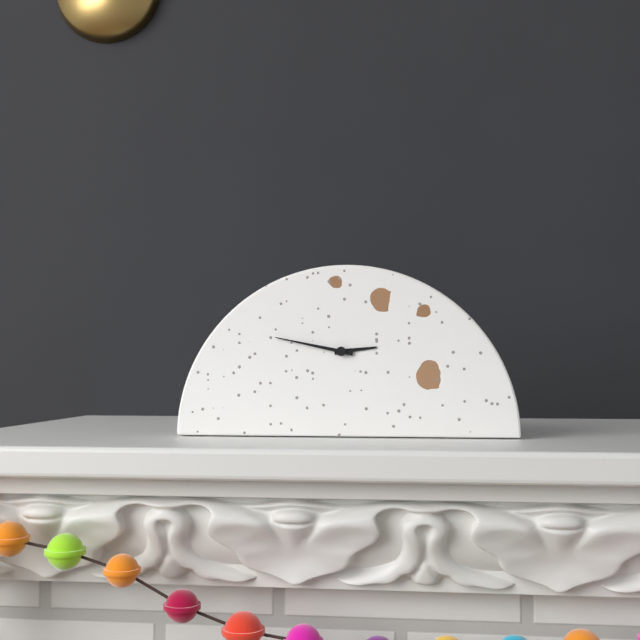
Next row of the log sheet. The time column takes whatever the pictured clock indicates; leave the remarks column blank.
2:47
